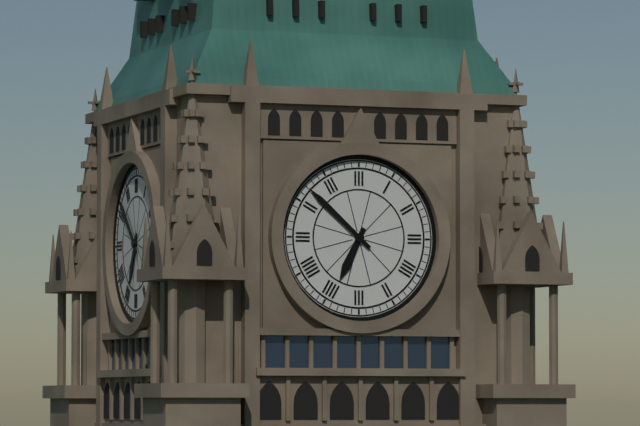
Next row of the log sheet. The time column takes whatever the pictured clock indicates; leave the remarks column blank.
6:52
